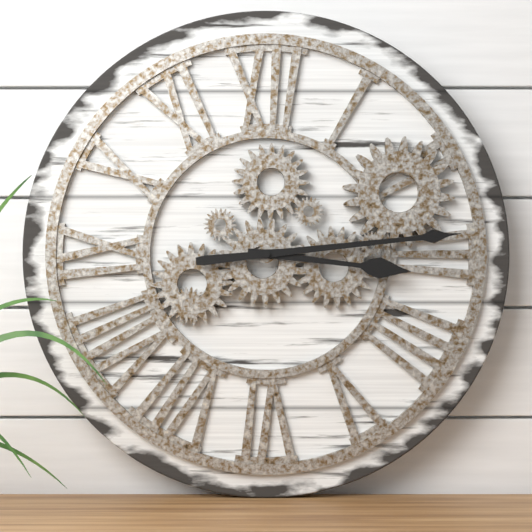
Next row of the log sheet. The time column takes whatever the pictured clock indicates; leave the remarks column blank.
3:14
